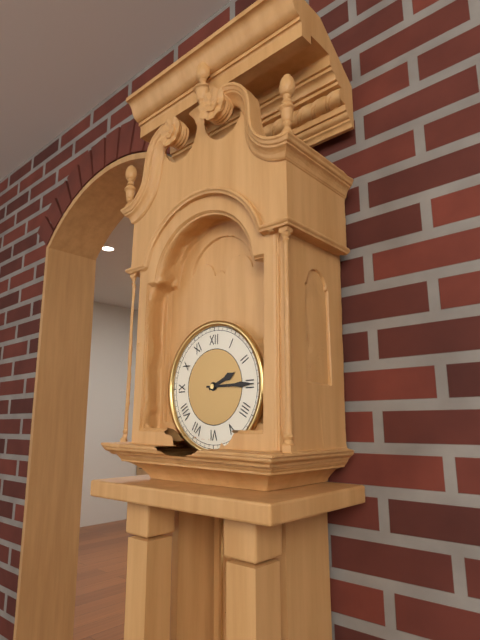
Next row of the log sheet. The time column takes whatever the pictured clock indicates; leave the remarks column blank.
2:15
